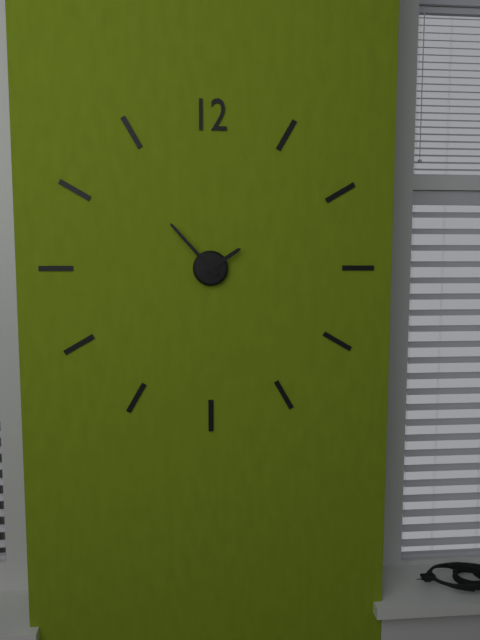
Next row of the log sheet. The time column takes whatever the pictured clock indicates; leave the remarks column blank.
1:53
